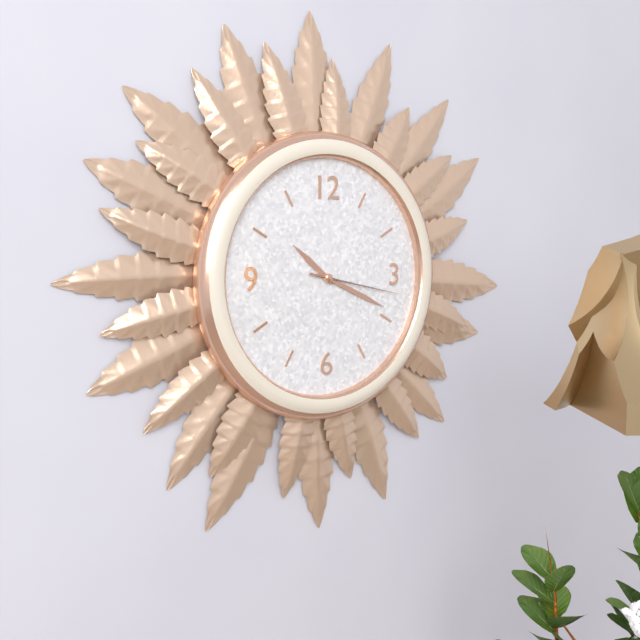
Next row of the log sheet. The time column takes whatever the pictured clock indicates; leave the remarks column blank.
10:19:17
